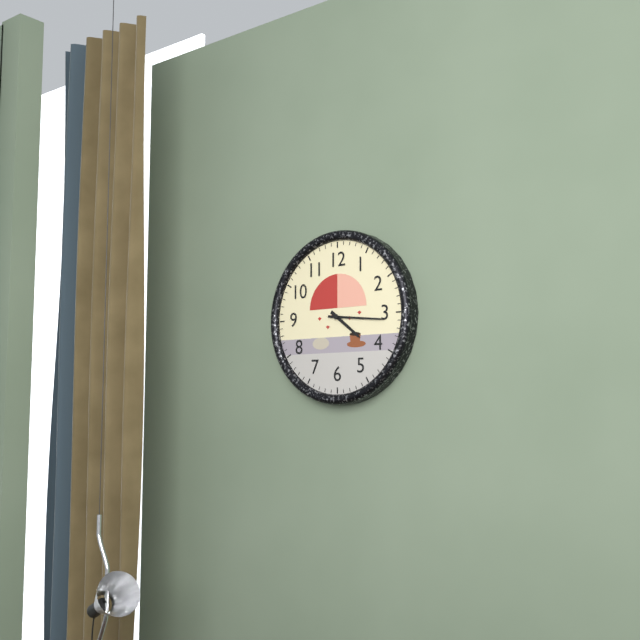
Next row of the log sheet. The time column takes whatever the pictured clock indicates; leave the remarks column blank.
4:16
